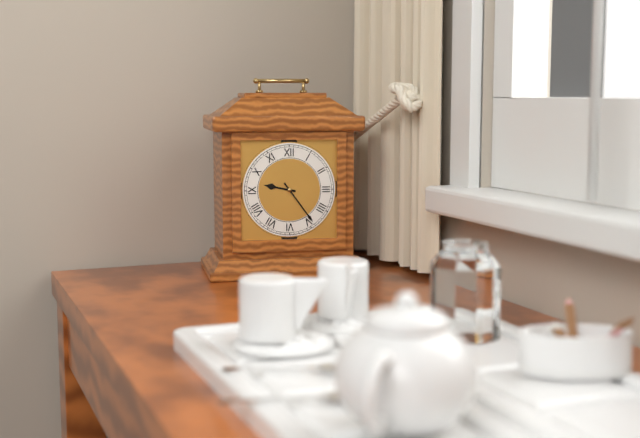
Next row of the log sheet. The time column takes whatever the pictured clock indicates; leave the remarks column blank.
9:24
